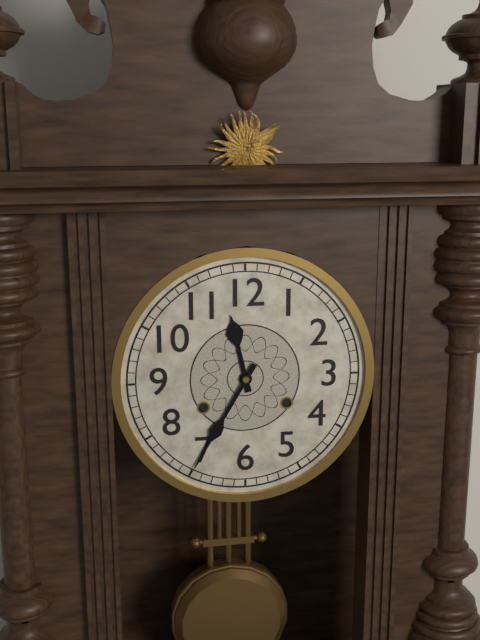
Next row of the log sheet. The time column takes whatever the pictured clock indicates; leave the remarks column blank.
11:35
